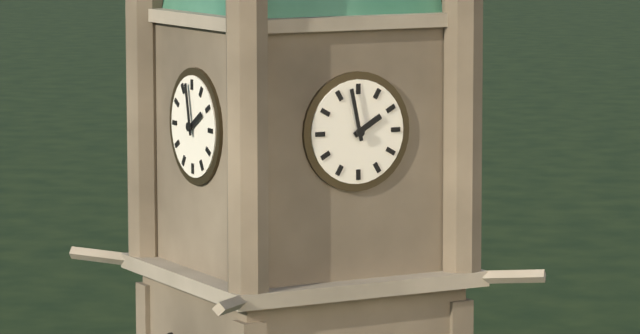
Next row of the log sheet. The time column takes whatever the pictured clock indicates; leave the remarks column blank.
1:58
